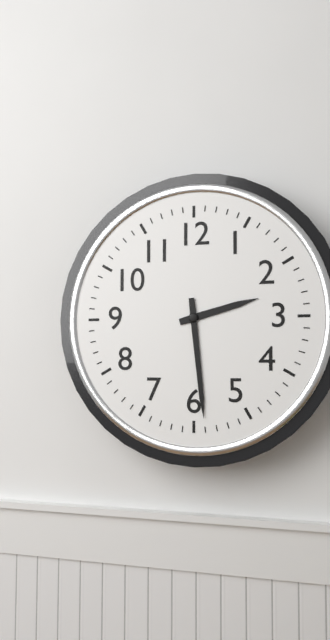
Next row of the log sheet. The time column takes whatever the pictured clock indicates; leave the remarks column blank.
2:29
